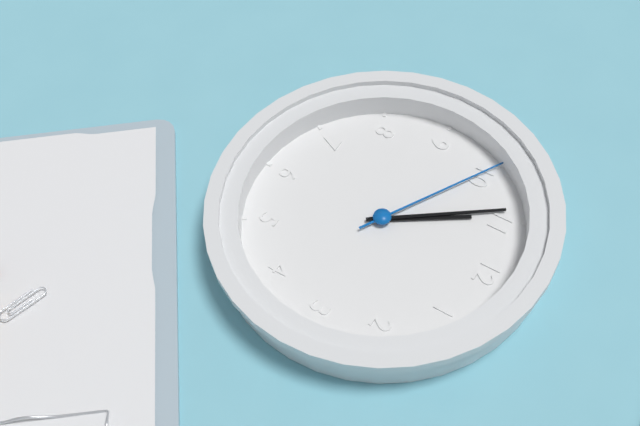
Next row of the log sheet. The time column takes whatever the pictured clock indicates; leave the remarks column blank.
10:54:50
